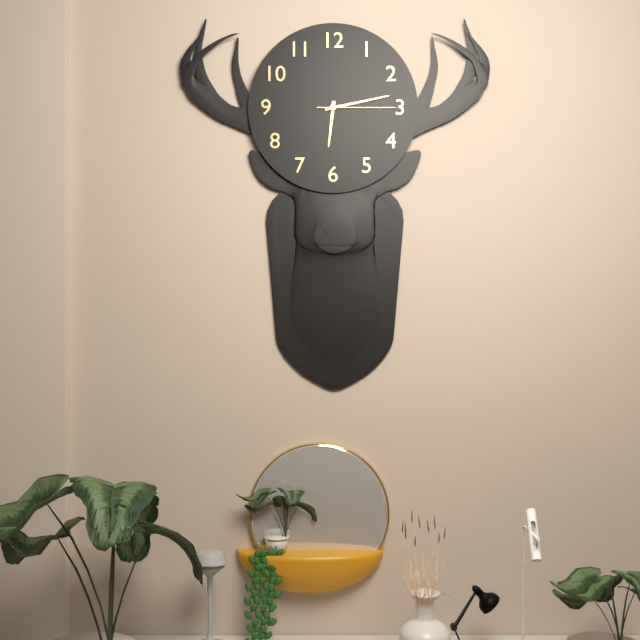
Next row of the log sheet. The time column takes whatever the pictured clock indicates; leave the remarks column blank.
6:13:15
